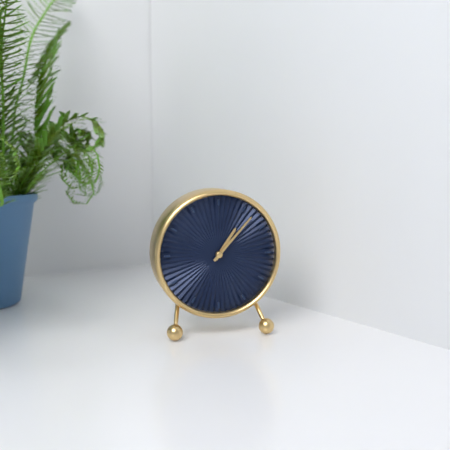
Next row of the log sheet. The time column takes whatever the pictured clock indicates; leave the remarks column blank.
1:07
